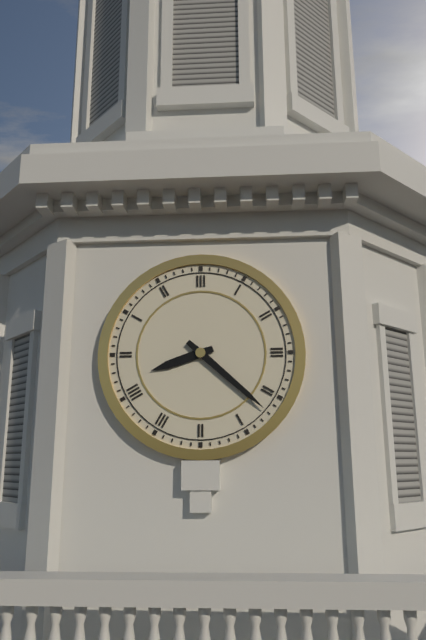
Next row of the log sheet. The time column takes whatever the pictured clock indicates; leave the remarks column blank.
8:22
